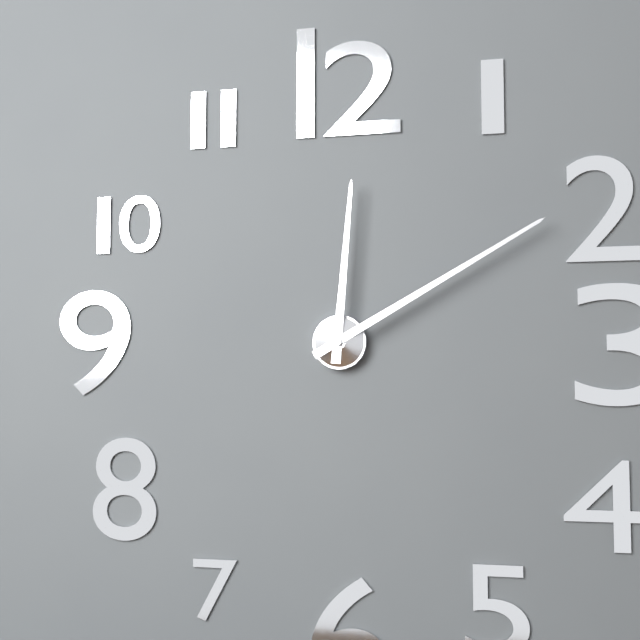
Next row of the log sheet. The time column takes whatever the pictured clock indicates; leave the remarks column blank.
12:10
